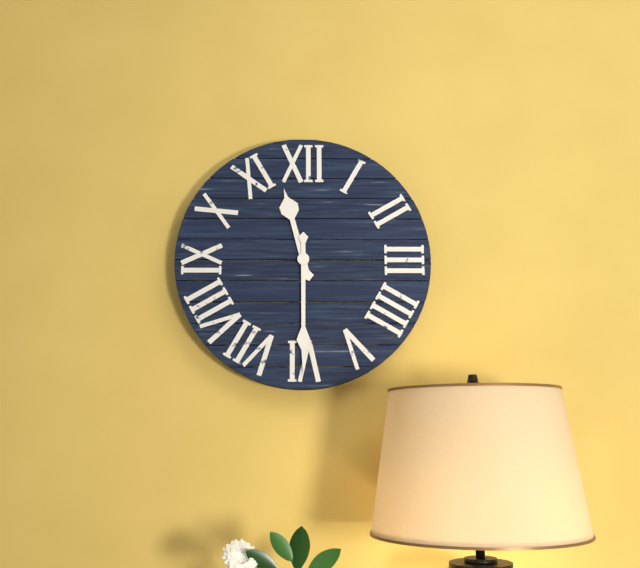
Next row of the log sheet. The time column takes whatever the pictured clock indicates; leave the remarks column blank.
11:30
